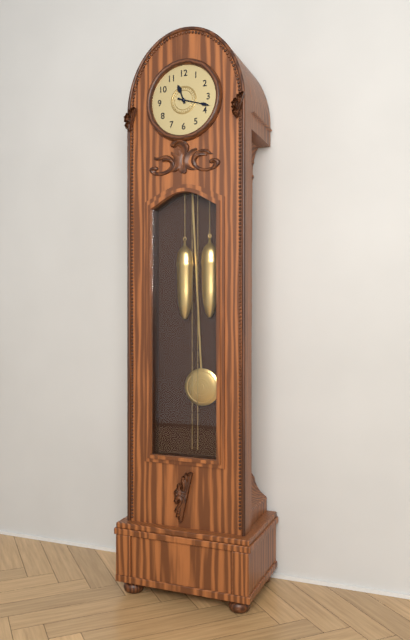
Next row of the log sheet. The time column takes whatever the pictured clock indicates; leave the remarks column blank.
11:18
